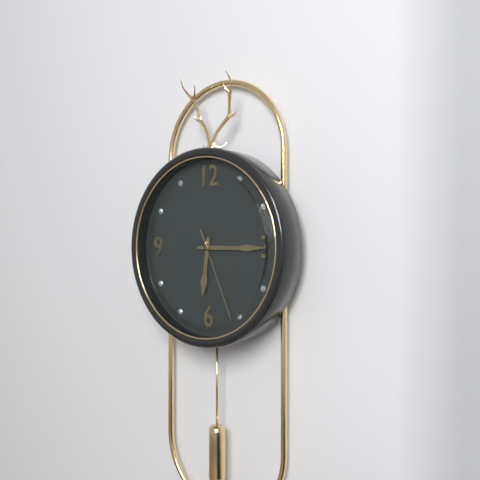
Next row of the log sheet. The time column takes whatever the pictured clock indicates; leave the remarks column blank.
6:15:26
